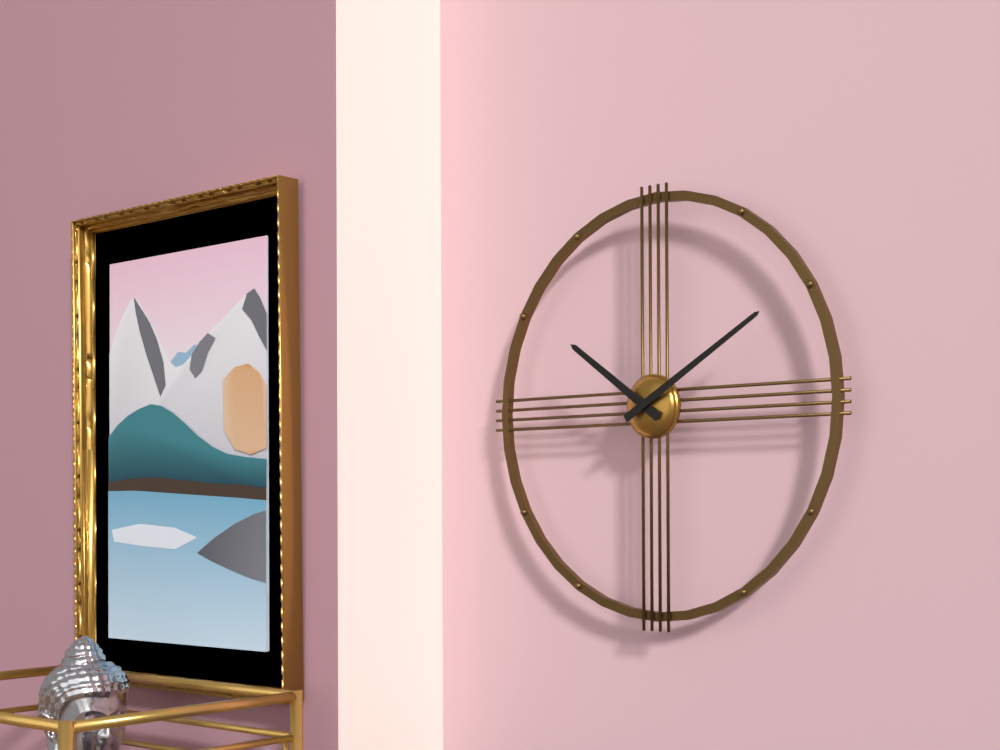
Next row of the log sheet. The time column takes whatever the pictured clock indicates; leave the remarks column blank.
10:10
